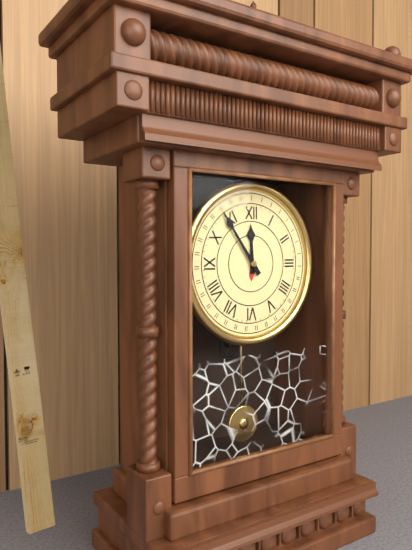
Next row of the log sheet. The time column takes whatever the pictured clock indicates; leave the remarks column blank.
11:54
